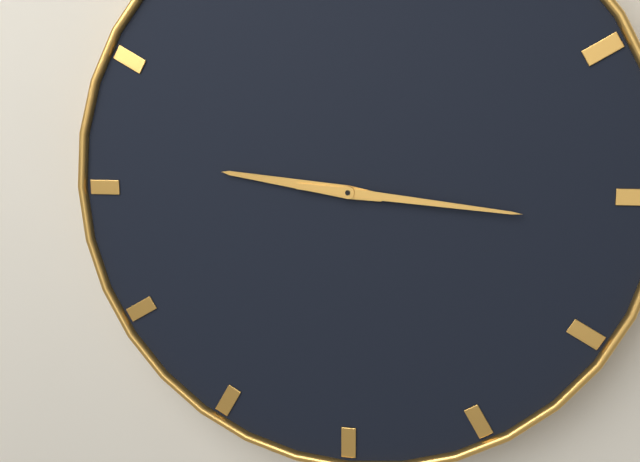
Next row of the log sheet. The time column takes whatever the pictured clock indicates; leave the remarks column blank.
9:16
